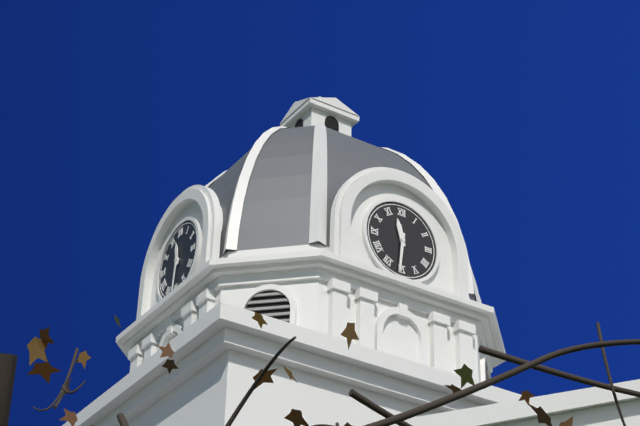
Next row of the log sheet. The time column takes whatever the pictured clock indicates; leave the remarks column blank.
11:31
